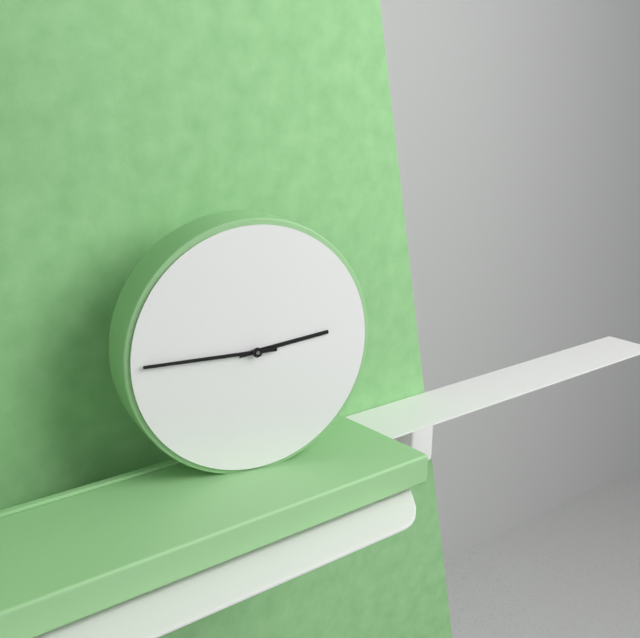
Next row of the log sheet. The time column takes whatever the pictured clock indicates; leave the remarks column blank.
2:45
